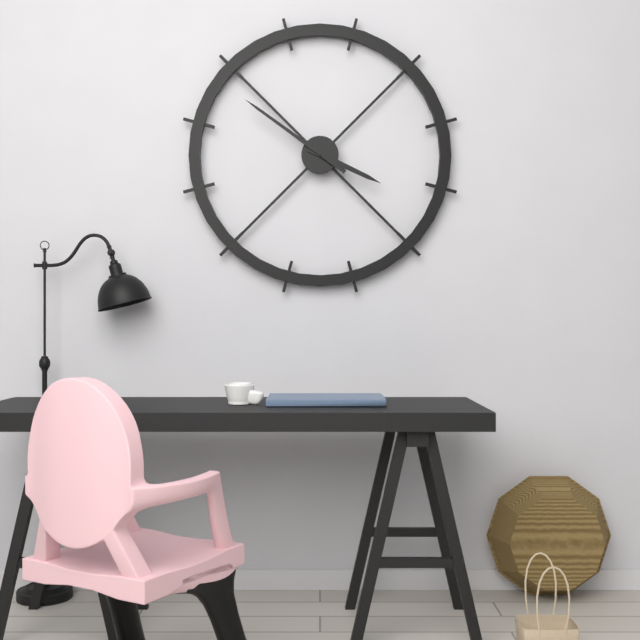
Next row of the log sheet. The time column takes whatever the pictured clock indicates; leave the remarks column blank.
3:51
